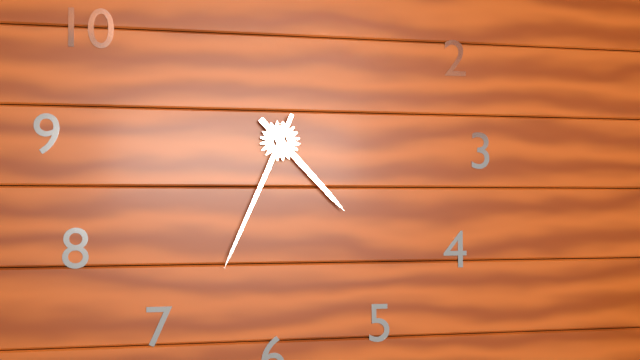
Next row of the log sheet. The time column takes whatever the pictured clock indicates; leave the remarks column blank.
4:34
